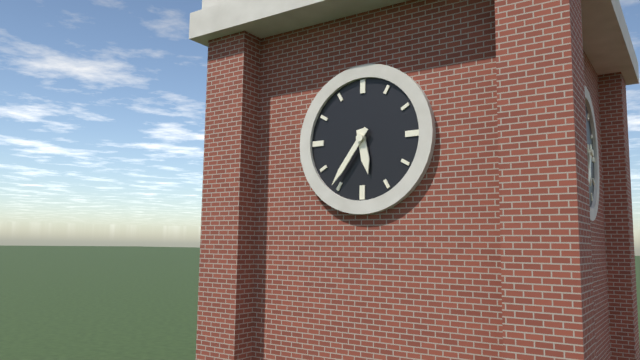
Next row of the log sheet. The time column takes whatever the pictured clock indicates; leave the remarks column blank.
5:36
